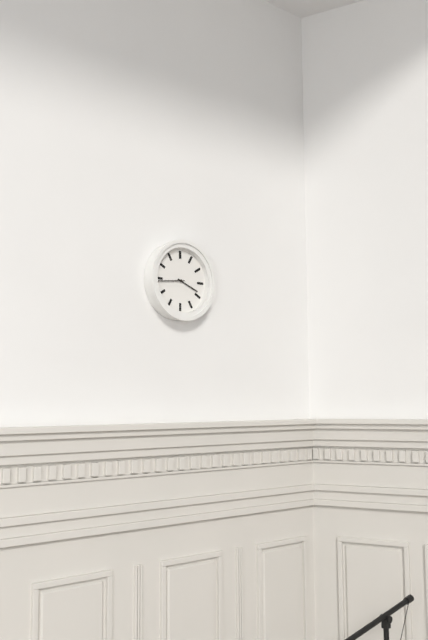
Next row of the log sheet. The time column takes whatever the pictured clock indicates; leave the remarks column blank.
3:44
